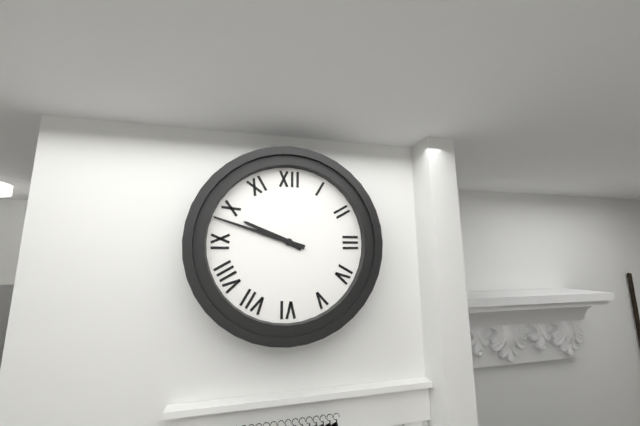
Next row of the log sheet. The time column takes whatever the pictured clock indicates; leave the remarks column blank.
9:48
